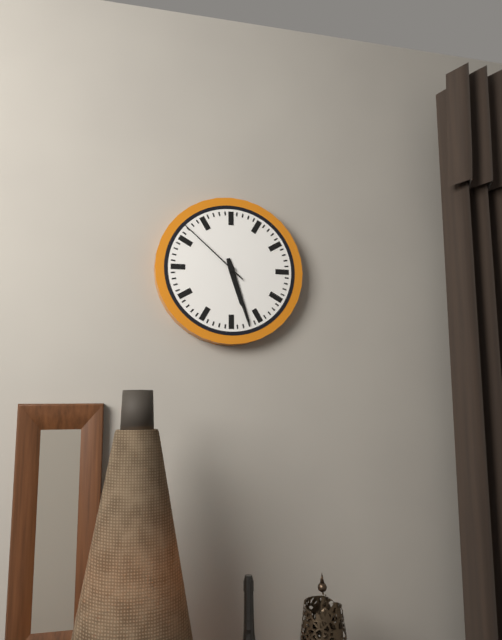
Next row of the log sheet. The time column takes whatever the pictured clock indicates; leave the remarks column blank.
5:27:52
